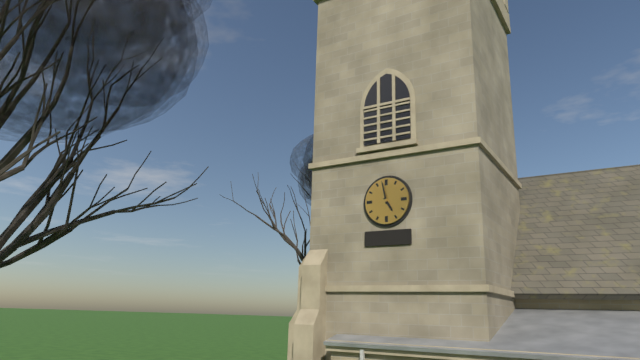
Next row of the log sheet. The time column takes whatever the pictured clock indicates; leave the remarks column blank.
4:58
